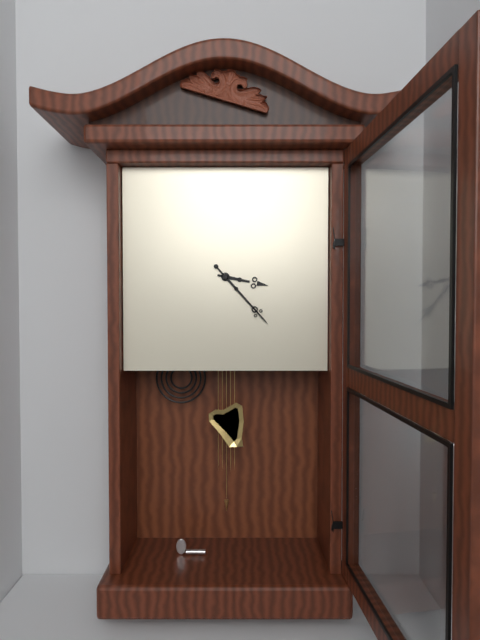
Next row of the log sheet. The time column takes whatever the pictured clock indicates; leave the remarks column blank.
3:23
